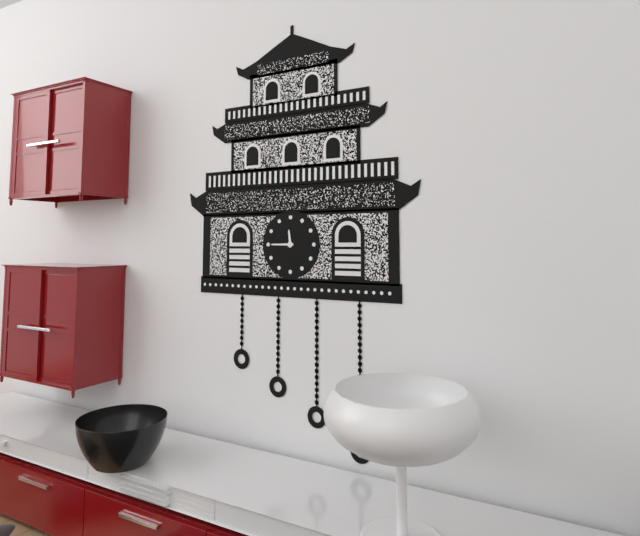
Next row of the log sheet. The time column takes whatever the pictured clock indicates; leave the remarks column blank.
11:45
